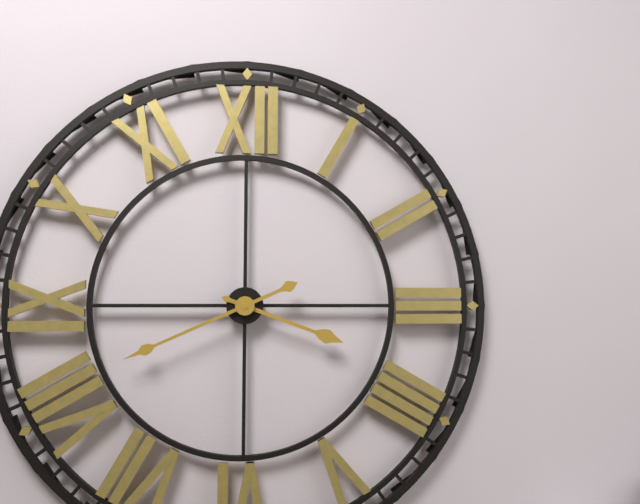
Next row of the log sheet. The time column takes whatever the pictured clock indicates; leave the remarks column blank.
3:41
